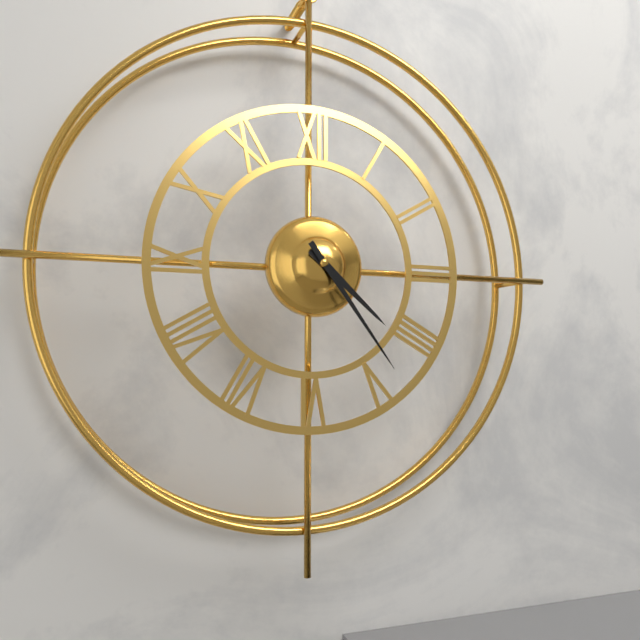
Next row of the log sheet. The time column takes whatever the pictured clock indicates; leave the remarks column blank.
4:24
